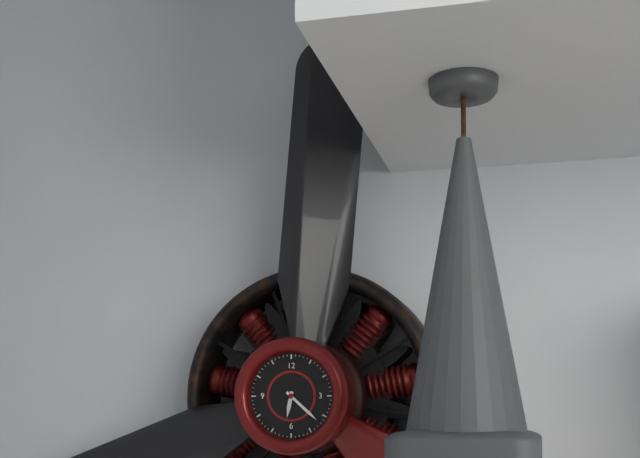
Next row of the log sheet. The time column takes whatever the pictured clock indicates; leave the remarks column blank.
6:22
